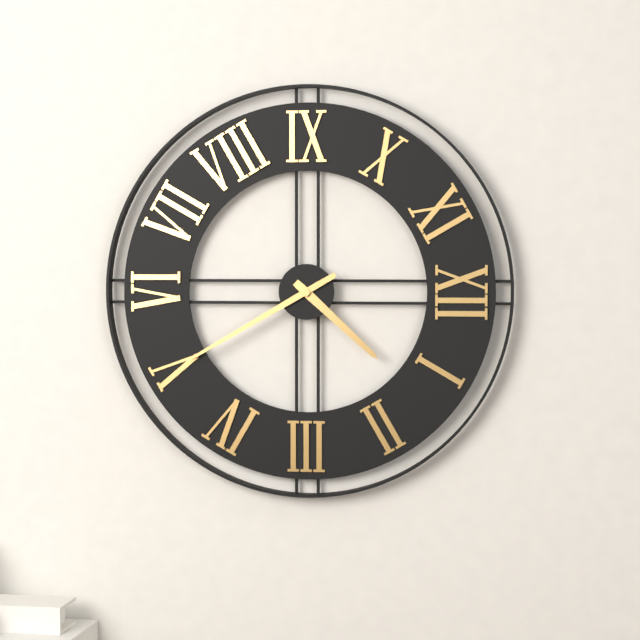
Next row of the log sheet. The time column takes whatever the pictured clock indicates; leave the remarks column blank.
1:25
